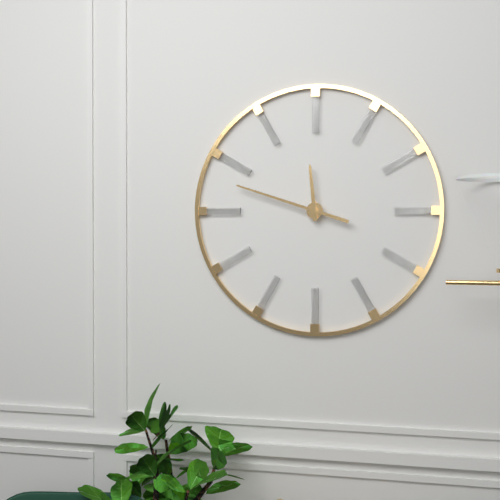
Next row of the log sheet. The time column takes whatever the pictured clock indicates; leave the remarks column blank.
11:48
